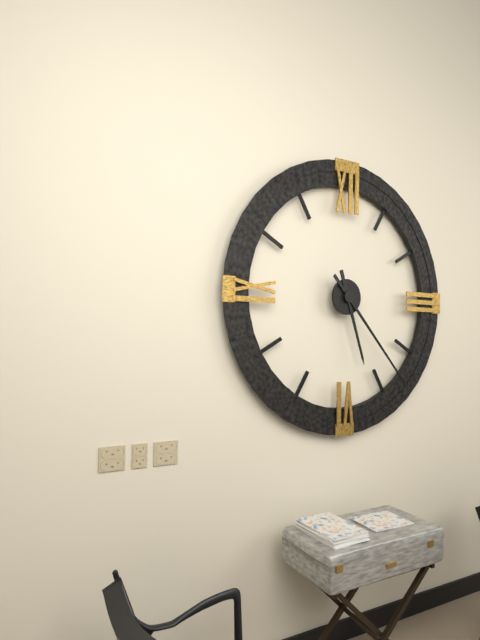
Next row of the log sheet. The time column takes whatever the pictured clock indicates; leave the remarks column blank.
5:23
